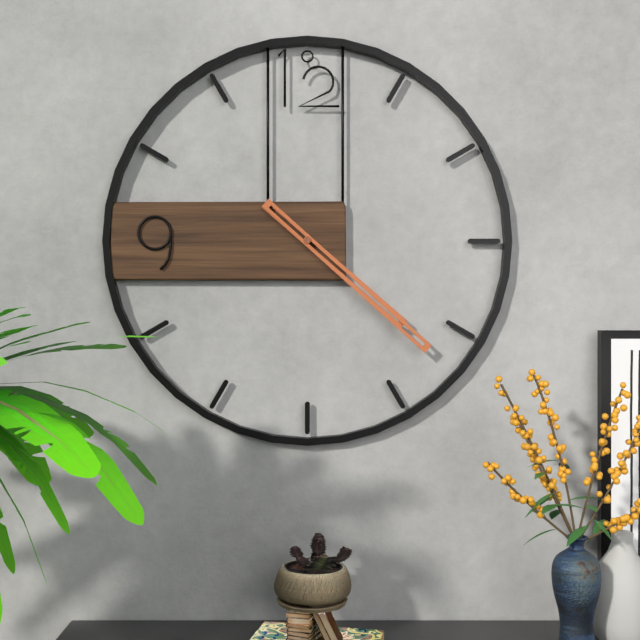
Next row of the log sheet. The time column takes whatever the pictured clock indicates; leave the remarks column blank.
4:22
